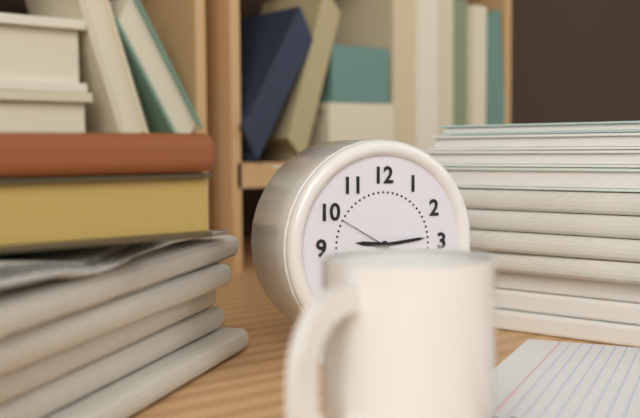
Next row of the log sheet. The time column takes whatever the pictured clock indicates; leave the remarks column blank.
9:14:50
